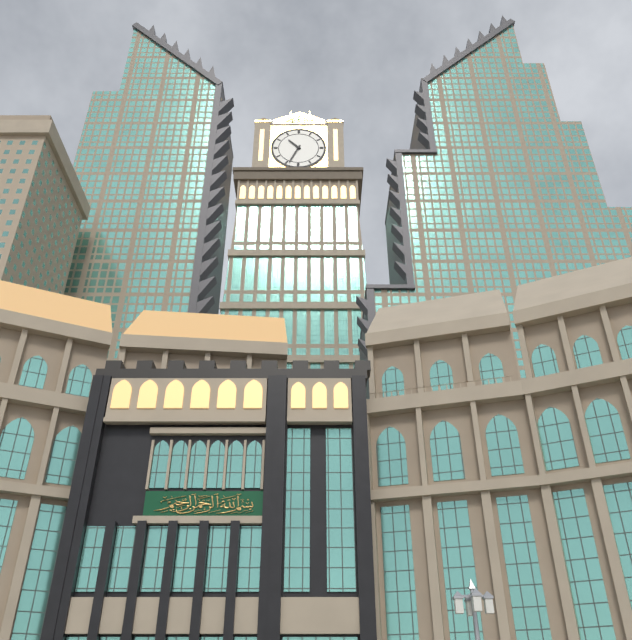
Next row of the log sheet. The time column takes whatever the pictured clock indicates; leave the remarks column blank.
10:34
